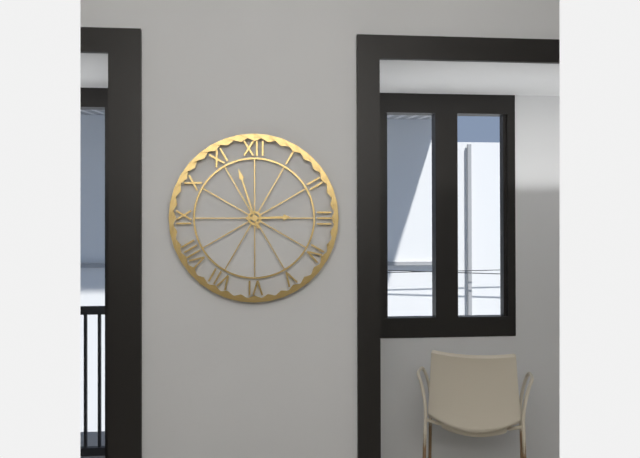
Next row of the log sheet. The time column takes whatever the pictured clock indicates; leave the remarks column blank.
2:57
